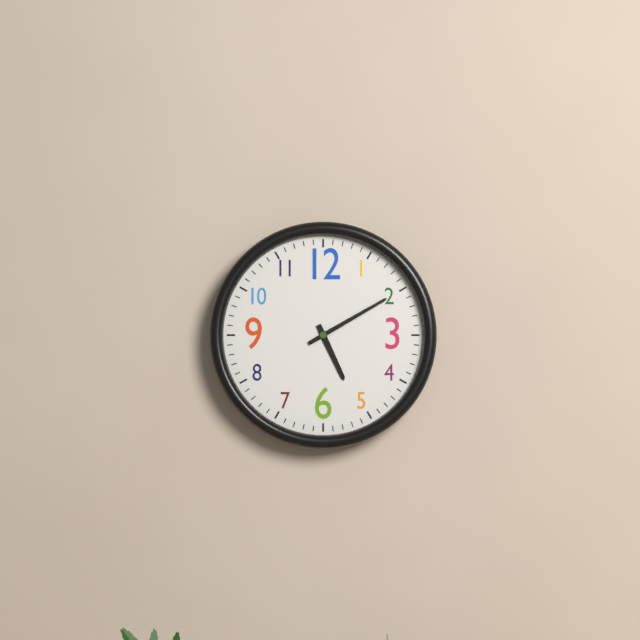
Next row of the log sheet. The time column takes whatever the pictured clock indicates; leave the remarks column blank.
5:10
